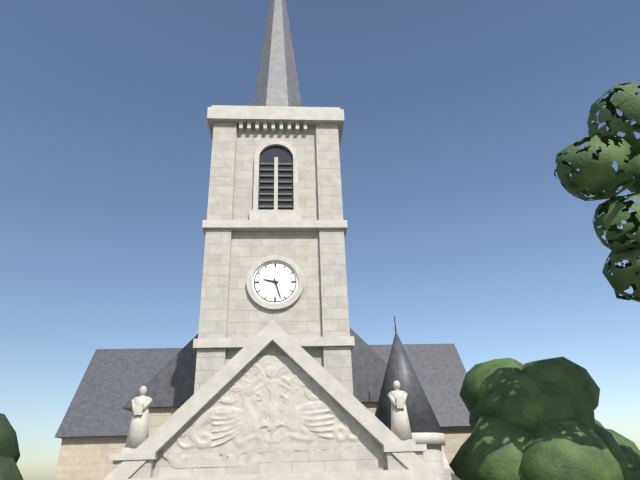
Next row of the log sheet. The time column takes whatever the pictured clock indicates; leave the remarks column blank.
9:27
